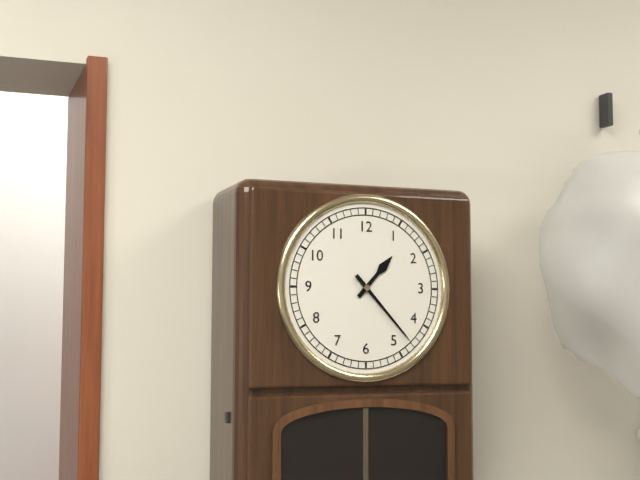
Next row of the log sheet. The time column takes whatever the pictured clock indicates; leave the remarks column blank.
1:23
